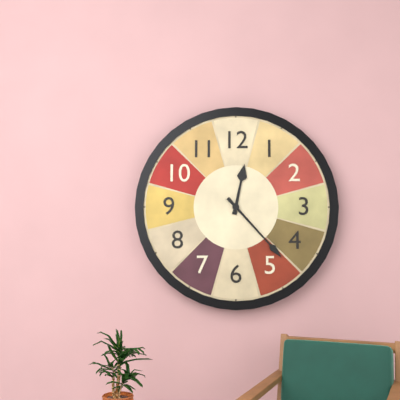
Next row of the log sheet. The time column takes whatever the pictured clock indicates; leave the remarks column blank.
12:23
